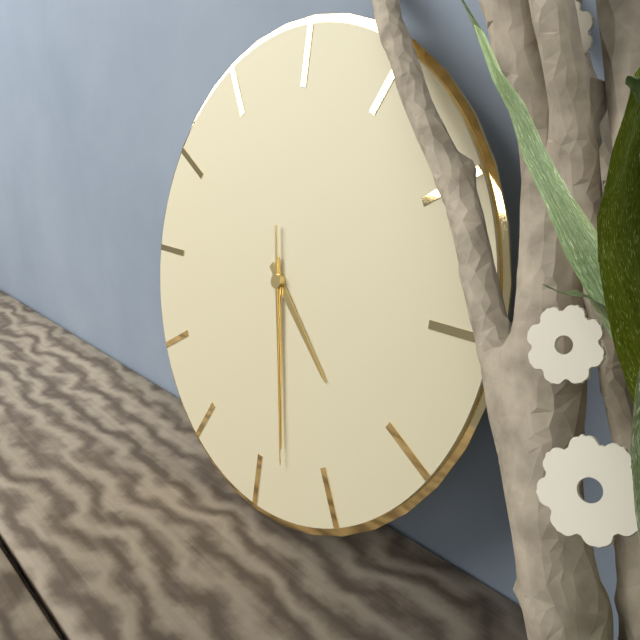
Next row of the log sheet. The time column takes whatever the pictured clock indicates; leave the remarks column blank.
4:28:28
